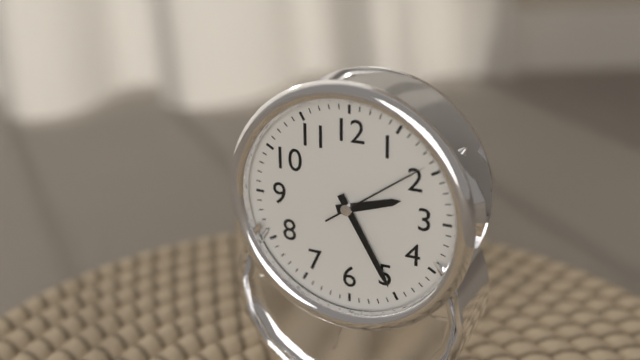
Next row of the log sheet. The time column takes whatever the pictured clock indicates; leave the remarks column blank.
2:25:09
